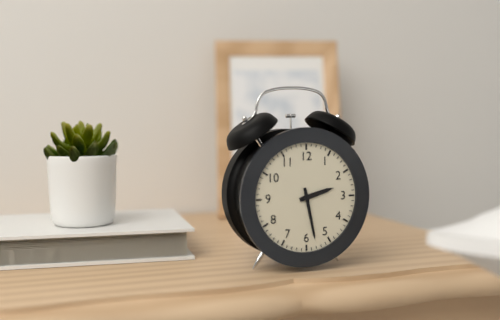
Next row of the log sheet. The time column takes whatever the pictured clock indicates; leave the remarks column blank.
2:28
